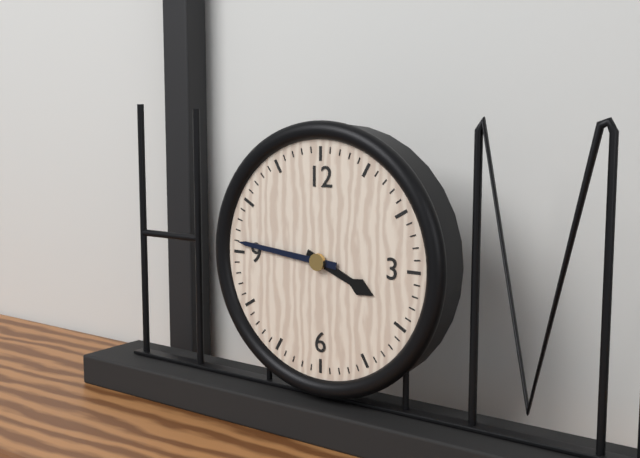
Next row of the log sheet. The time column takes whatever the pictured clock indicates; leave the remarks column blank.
3:46
